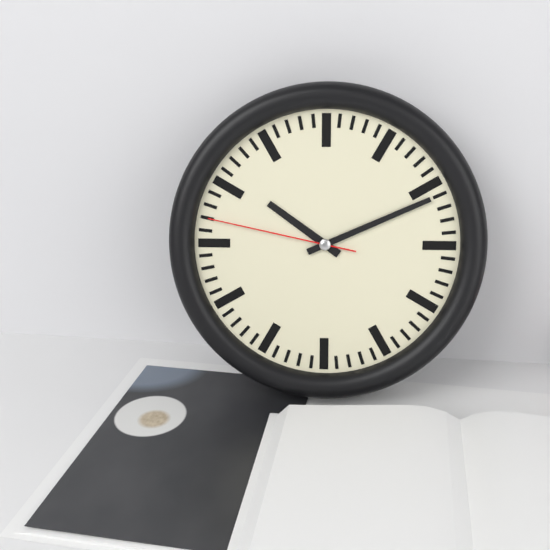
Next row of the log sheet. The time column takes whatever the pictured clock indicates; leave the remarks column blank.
10:11:47
